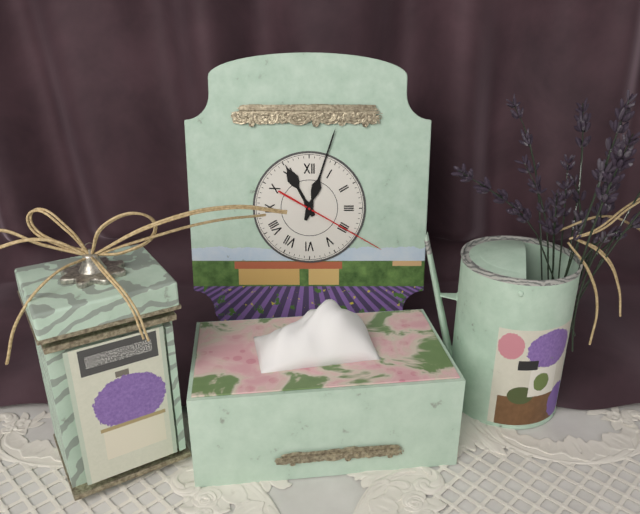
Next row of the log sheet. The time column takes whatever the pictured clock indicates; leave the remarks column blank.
11:03:20
